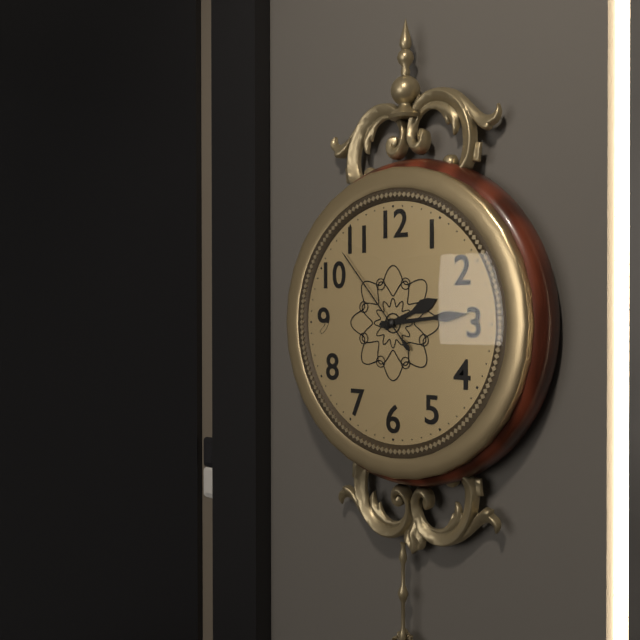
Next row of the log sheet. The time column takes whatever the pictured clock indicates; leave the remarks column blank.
2:14:53
